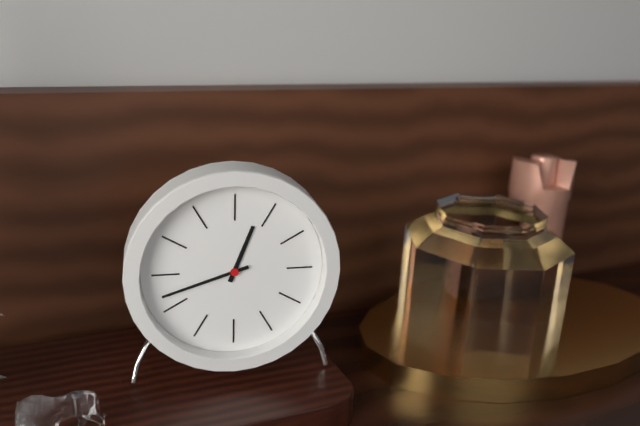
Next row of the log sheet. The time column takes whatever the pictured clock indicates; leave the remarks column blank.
12:42
